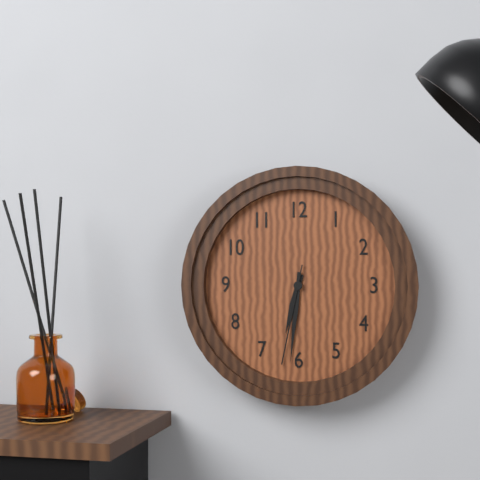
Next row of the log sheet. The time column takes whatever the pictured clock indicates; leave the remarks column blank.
6:31:32
